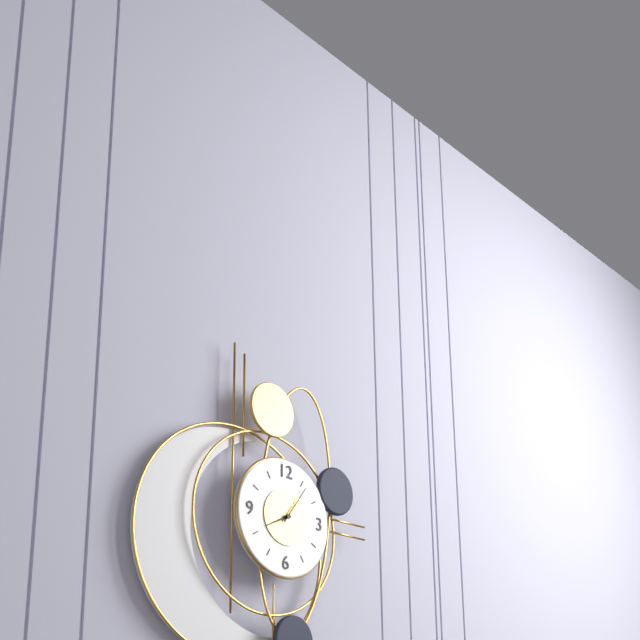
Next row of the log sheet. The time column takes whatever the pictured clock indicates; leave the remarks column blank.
8:06
